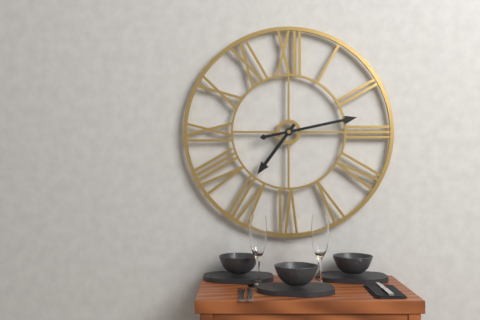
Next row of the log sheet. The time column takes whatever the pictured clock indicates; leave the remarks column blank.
7:13
